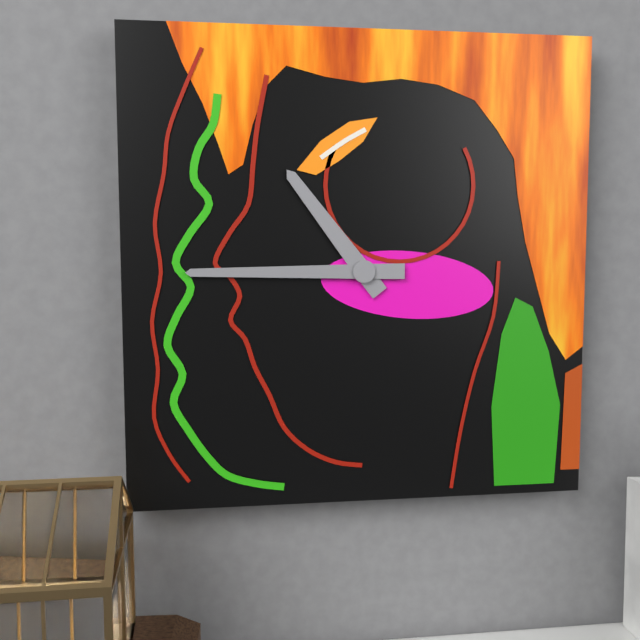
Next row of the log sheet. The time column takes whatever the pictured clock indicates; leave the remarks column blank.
10:45
